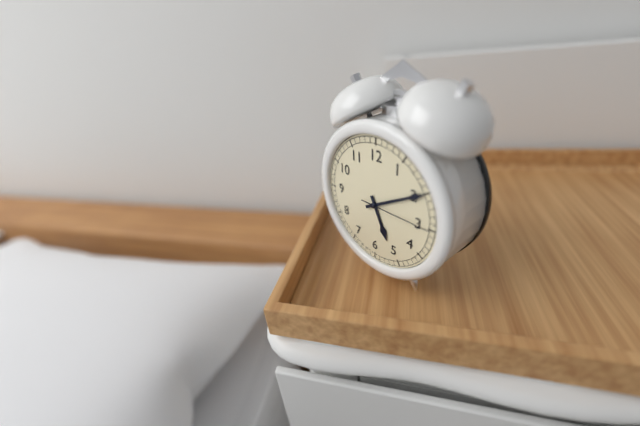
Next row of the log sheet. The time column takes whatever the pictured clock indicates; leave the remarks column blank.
5:10:15
